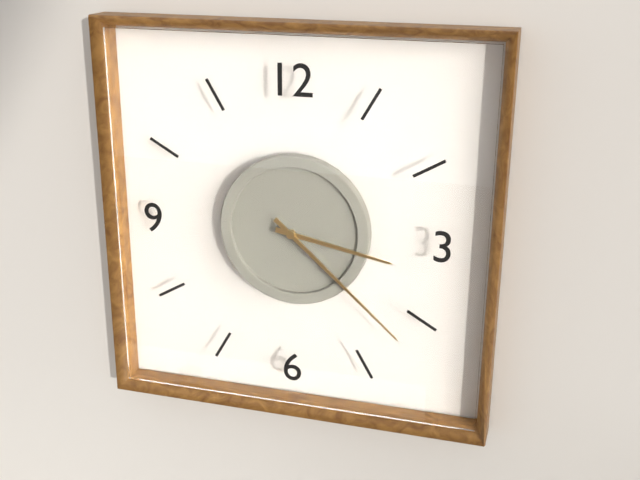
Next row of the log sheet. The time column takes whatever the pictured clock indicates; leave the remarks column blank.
3:22
